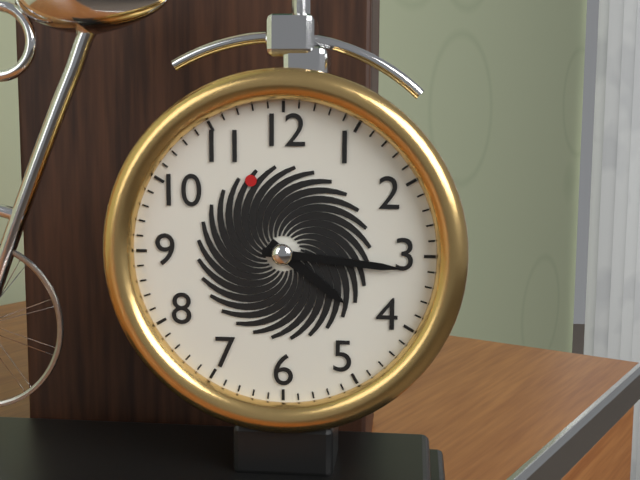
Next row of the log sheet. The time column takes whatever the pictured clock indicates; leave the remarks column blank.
4:16
